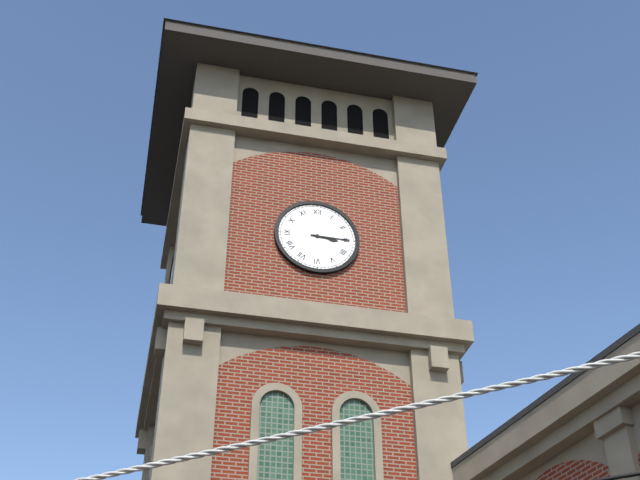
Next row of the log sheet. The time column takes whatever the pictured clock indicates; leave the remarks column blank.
3:15
